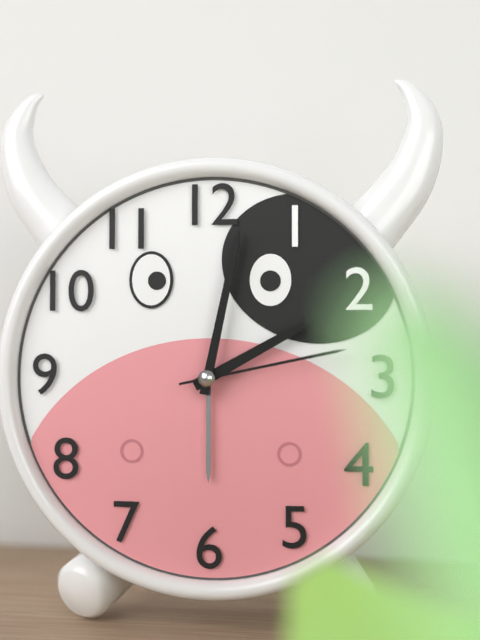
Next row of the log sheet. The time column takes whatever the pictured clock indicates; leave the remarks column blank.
2:02:13
